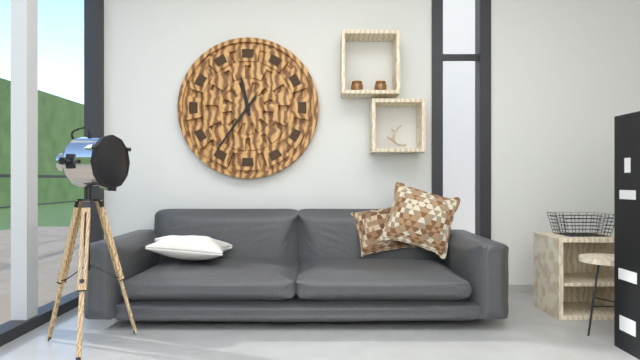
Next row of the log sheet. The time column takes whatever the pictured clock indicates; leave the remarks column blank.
11:36
